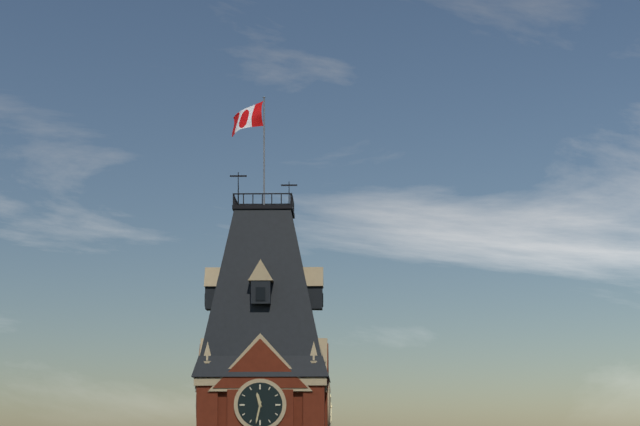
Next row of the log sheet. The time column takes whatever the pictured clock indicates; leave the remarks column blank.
11:32
